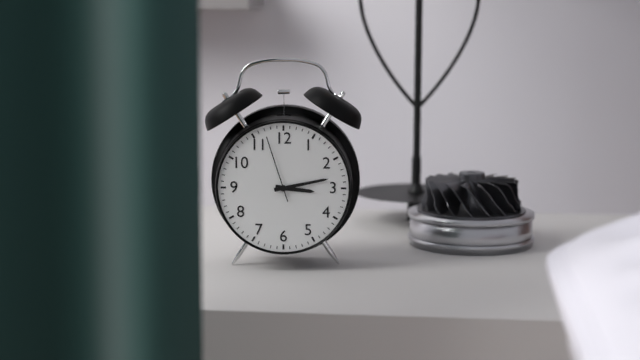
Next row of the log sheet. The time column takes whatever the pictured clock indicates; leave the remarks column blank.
3:13:57
